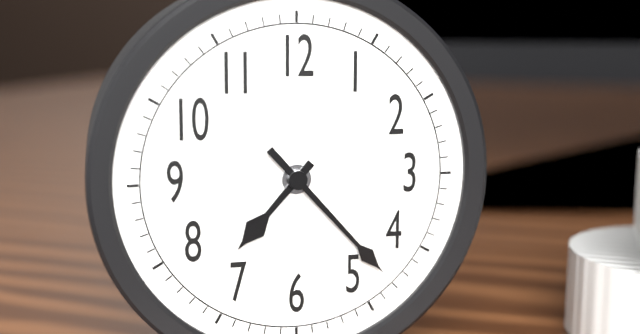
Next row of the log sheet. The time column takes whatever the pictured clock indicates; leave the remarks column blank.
7:23
